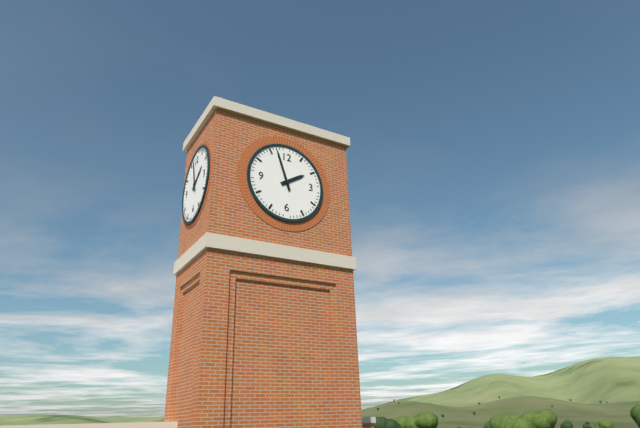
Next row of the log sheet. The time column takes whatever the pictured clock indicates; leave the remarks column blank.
1:57
